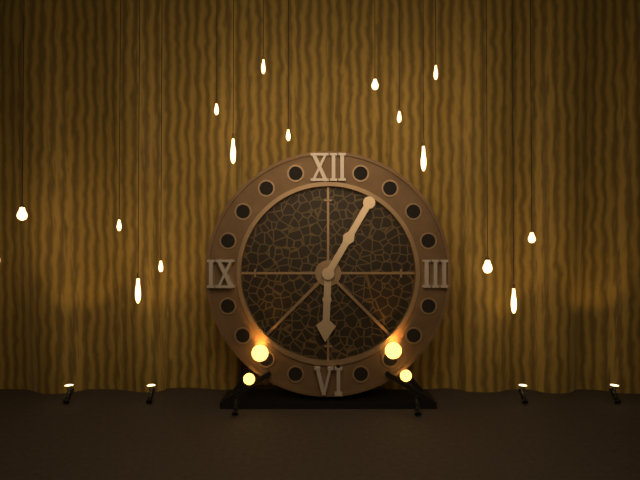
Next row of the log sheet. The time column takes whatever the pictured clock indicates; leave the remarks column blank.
6:05
